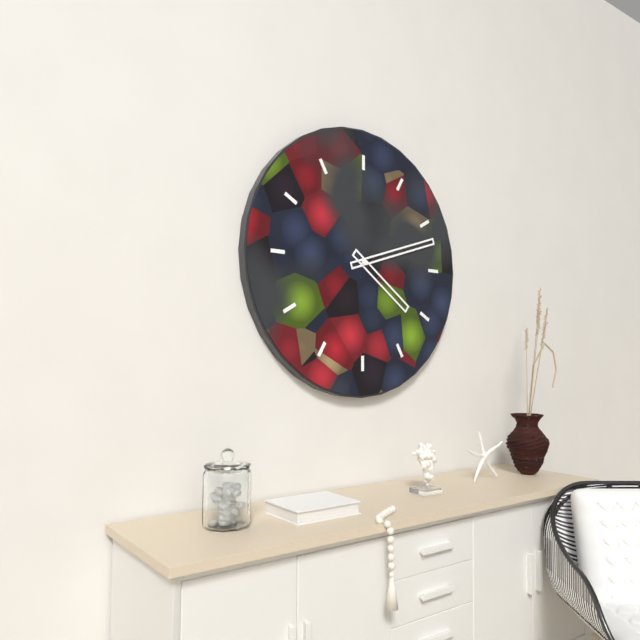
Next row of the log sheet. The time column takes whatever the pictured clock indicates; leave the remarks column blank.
4:12
